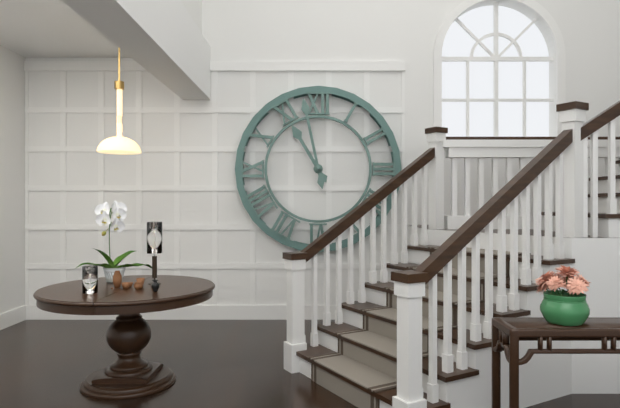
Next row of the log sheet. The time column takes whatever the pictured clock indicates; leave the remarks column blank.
10:58
